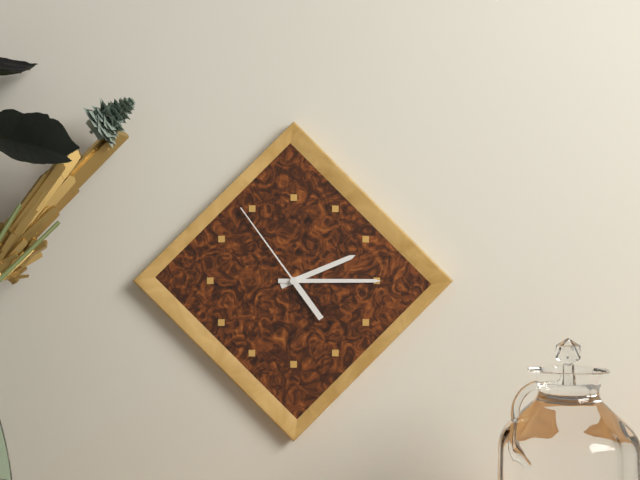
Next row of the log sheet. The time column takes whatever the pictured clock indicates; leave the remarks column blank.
2:15:54
